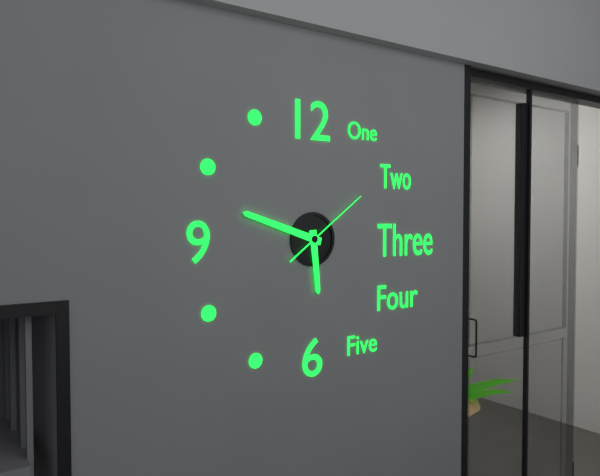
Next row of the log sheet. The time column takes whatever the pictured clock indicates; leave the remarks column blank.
5:48:09
